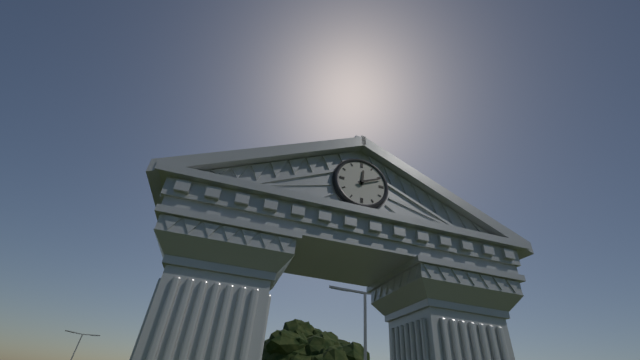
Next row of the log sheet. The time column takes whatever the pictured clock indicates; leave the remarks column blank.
12:11
